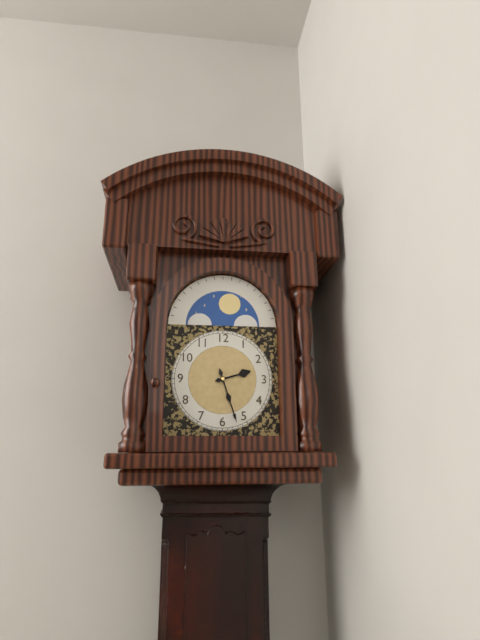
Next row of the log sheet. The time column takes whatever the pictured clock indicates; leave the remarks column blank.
2:27
